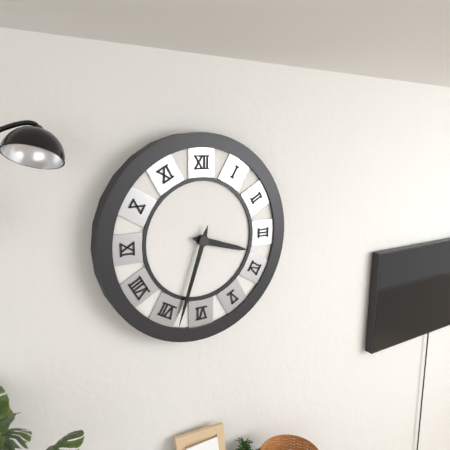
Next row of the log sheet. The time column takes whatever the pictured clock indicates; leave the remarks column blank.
3:33
